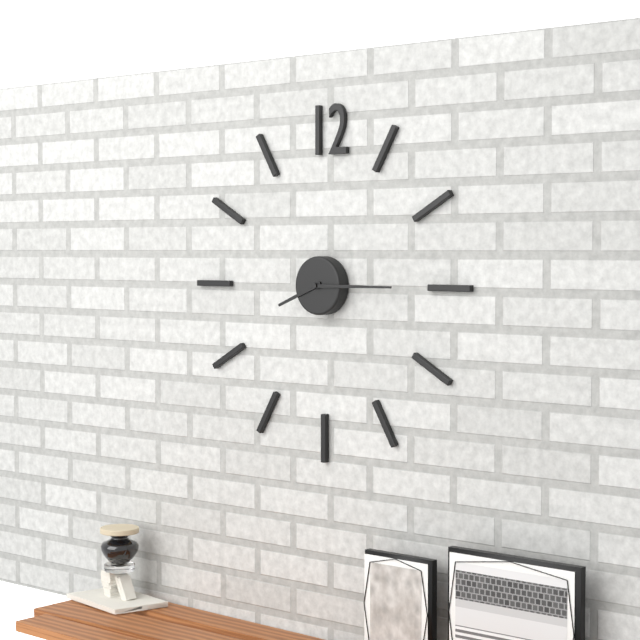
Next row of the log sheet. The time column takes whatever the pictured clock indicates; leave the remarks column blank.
8:15
